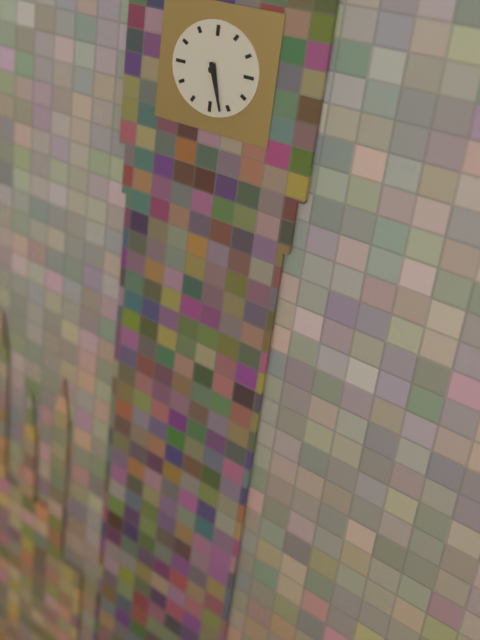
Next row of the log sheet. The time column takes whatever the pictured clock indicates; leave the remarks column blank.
5:27
